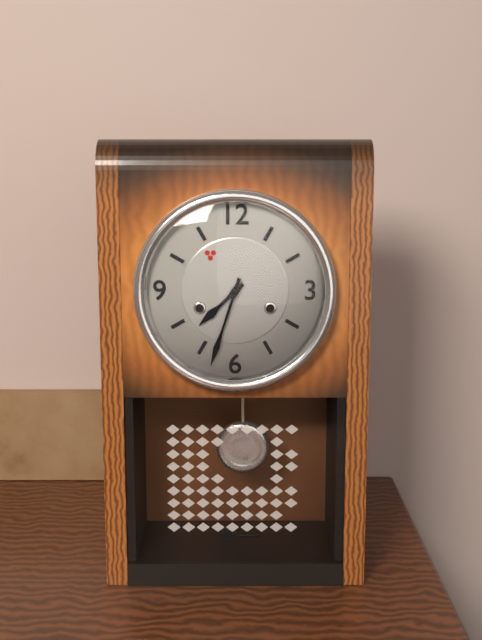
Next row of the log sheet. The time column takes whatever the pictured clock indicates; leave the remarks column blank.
7:33
